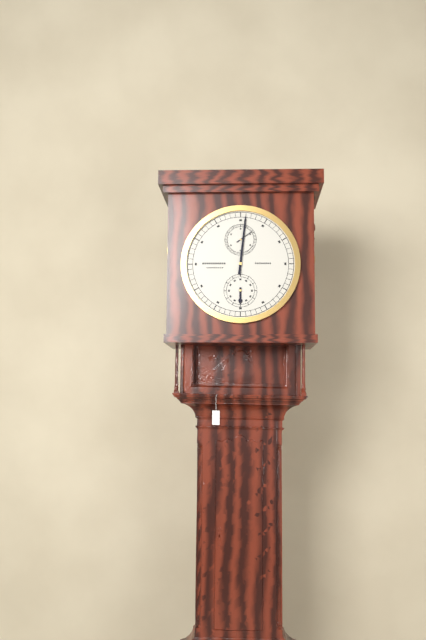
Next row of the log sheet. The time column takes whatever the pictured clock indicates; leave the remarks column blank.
6:01
